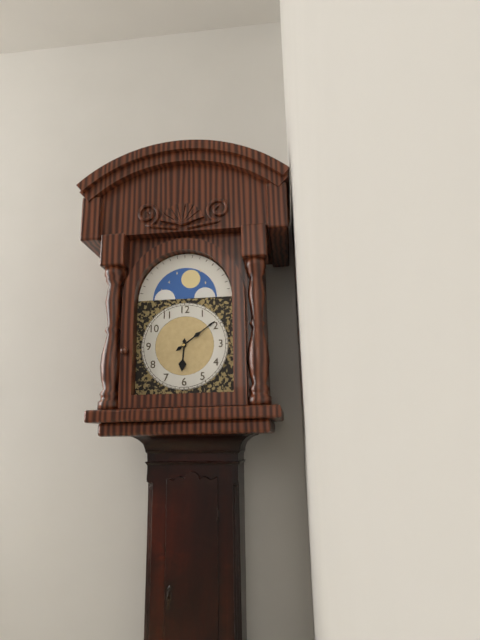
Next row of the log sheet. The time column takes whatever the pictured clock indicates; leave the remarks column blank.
6:09
